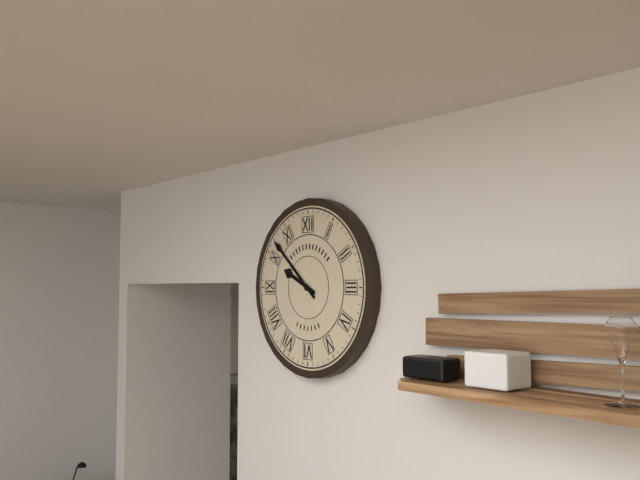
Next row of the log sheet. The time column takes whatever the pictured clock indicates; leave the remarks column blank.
9:52
